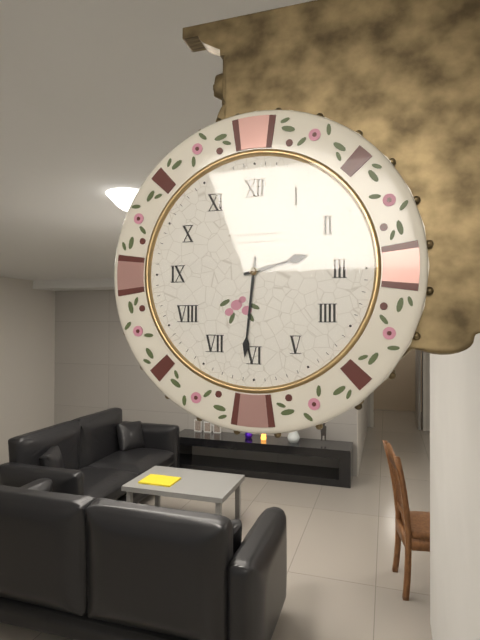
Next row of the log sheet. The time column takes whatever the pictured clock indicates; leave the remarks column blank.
2:31
